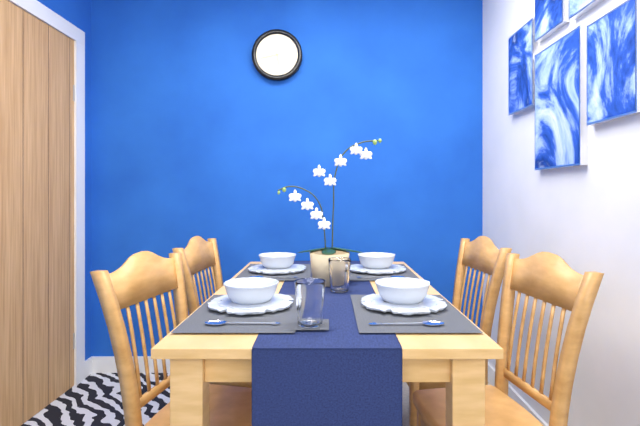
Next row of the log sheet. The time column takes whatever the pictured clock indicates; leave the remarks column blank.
5:43
